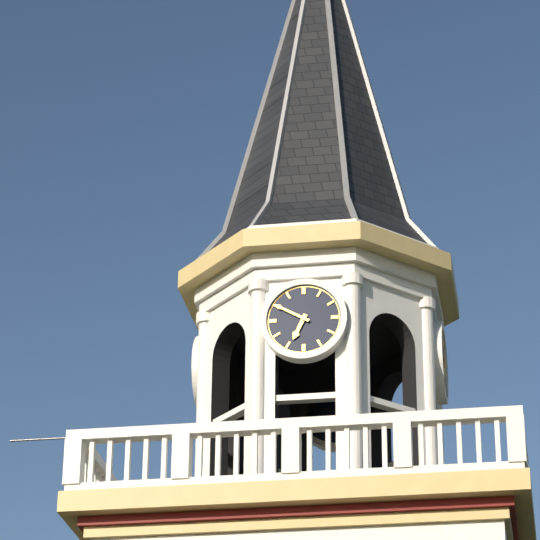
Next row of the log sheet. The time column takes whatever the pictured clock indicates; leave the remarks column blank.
6:50
